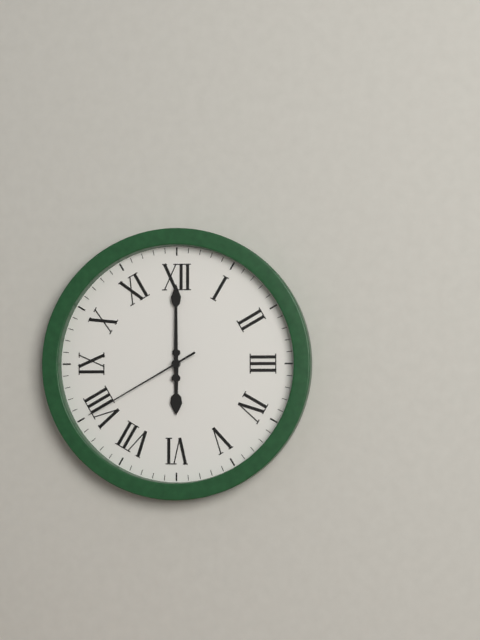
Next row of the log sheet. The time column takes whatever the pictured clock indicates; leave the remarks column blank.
6:00:40
